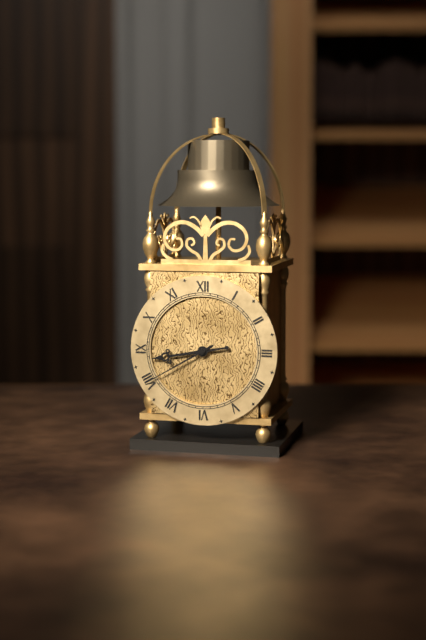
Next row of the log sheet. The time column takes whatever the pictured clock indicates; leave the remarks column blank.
8:40
